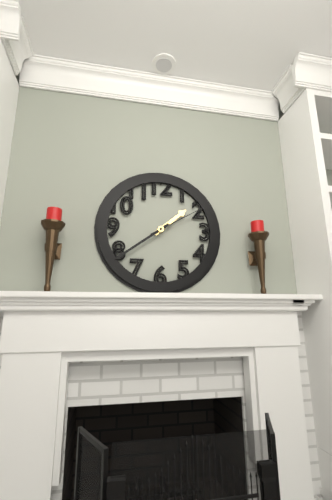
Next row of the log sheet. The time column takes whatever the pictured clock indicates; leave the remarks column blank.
1:39:10
